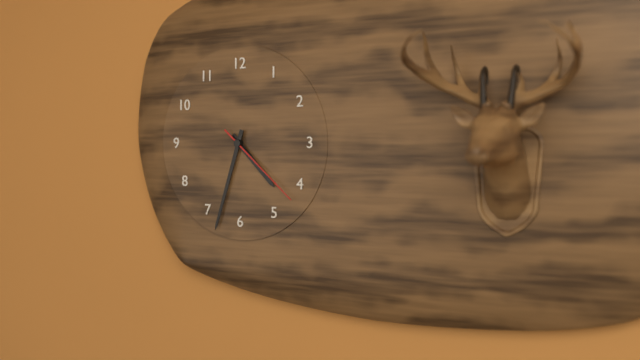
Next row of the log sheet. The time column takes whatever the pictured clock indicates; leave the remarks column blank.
4:33:22
